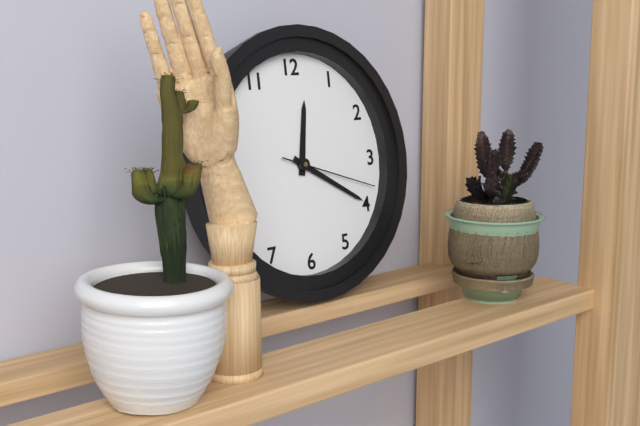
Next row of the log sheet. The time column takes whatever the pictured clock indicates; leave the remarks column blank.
12:20:18
